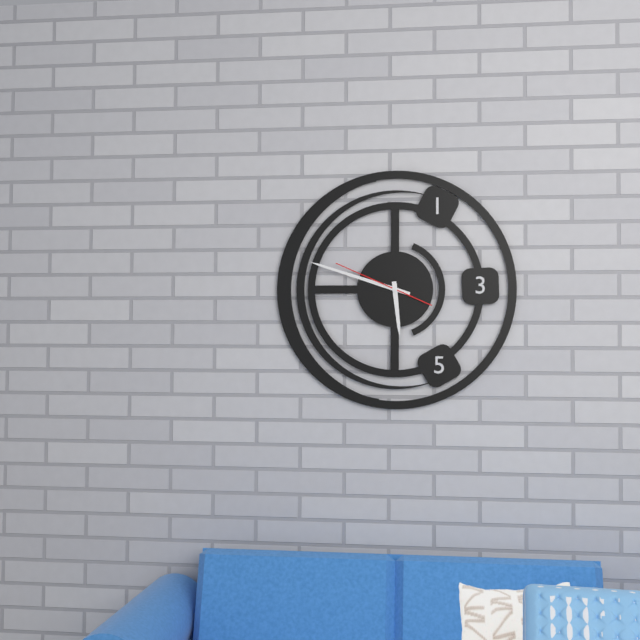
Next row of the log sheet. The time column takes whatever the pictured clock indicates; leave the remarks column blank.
5:48:49
